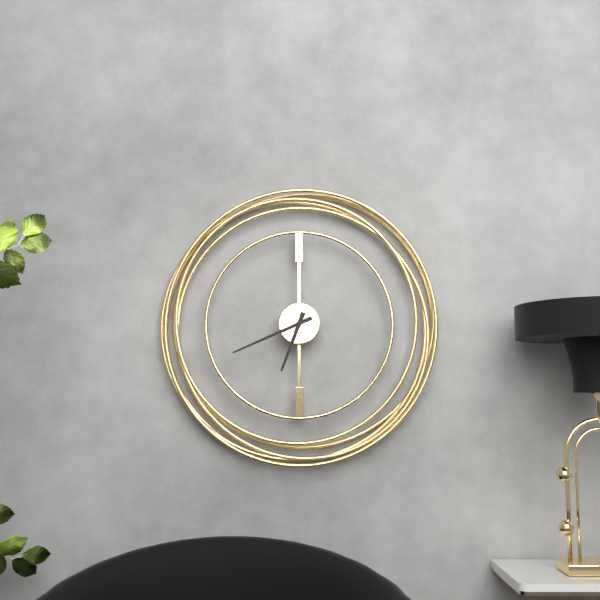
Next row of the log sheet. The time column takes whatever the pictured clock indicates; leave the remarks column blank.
6:41
